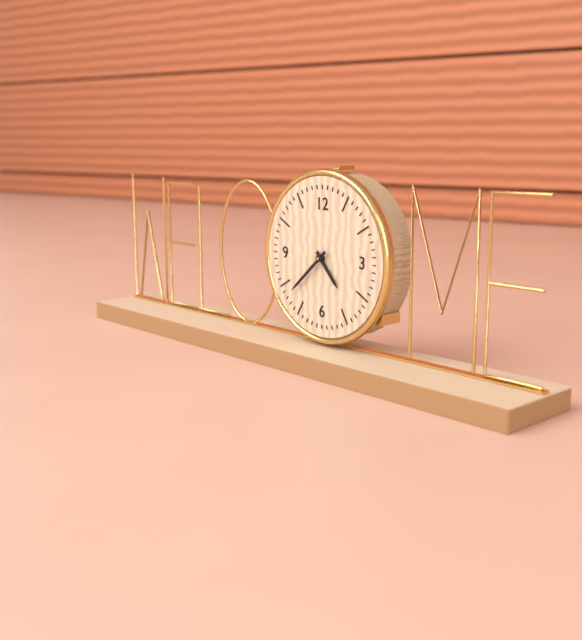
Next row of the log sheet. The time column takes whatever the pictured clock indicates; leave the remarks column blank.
4:38
